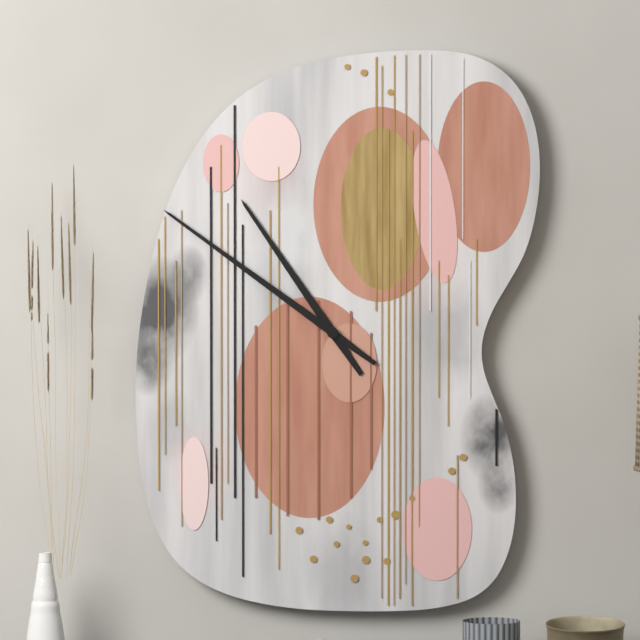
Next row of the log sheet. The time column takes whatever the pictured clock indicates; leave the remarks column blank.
10:51
